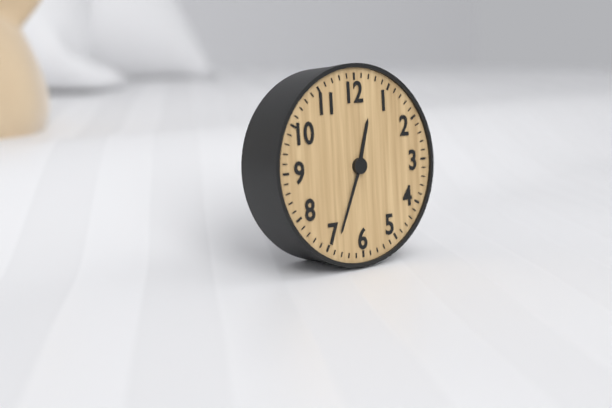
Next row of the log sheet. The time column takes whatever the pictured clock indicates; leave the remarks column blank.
12:34
